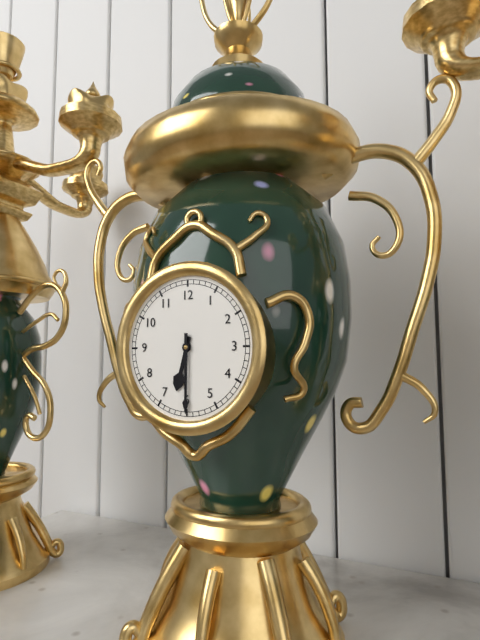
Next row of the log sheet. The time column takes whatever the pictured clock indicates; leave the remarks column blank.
6:30
